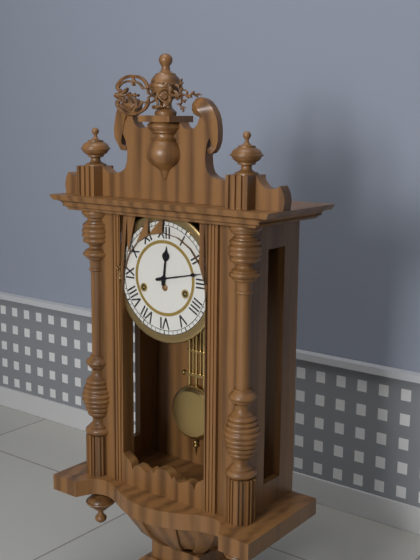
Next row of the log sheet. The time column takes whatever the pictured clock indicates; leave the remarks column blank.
12:13
